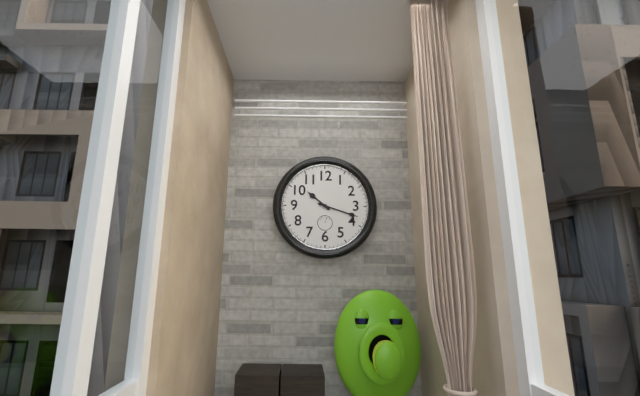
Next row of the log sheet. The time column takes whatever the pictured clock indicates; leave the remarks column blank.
10:18
